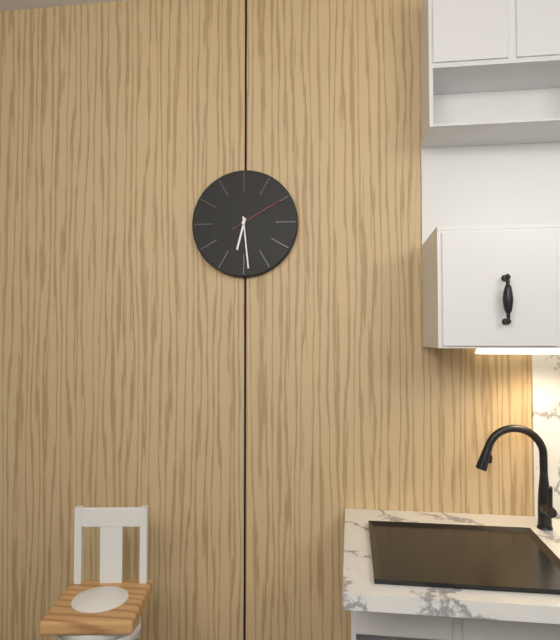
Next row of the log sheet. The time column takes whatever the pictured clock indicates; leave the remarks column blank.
6:29:10
